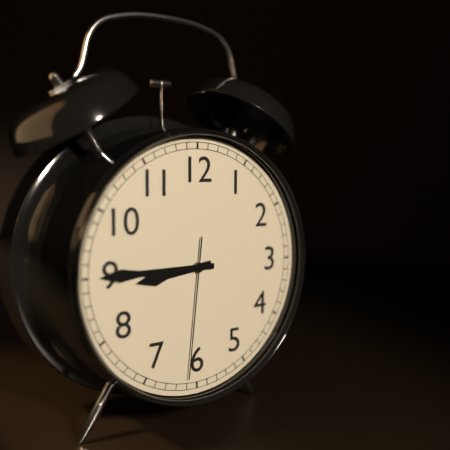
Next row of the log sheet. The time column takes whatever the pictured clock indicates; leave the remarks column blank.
8:45:31
